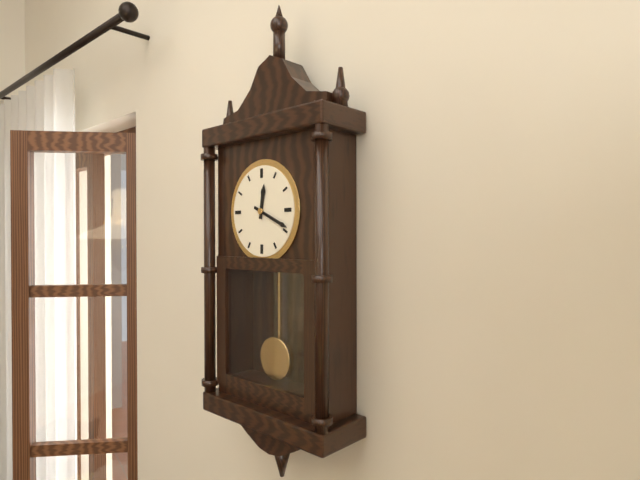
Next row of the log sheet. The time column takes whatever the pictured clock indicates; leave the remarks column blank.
12:19
